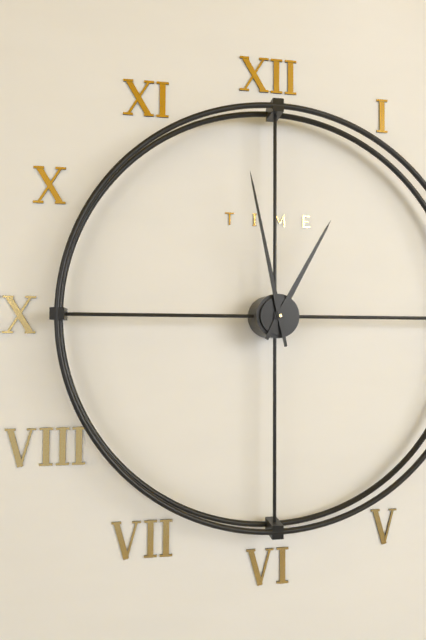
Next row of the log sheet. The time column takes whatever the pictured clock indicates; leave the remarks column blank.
12:58
